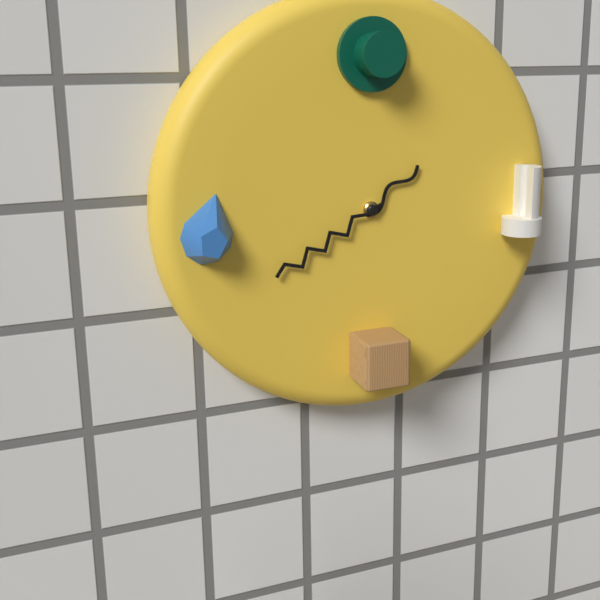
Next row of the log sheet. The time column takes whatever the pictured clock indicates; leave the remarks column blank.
1:40
